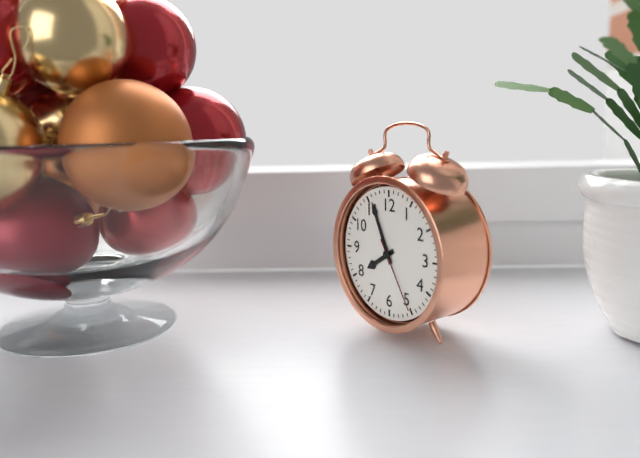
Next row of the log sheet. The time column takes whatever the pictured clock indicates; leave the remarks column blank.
7:56:25
